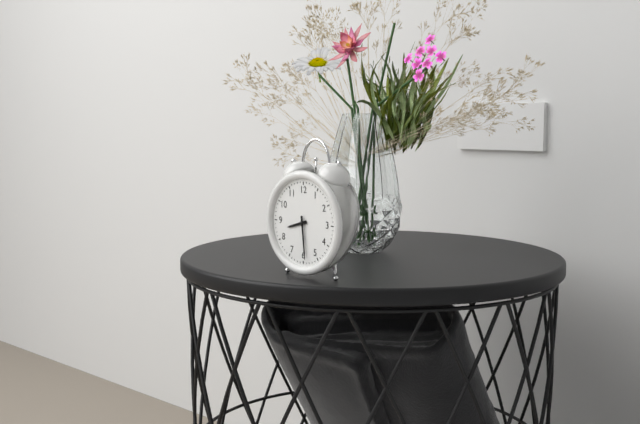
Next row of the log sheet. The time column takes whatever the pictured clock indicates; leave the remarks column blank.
8:29
